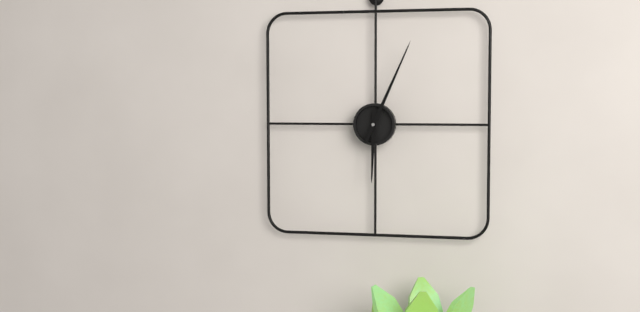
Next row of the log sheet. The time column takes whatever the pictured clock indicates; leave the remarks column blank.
6:04
